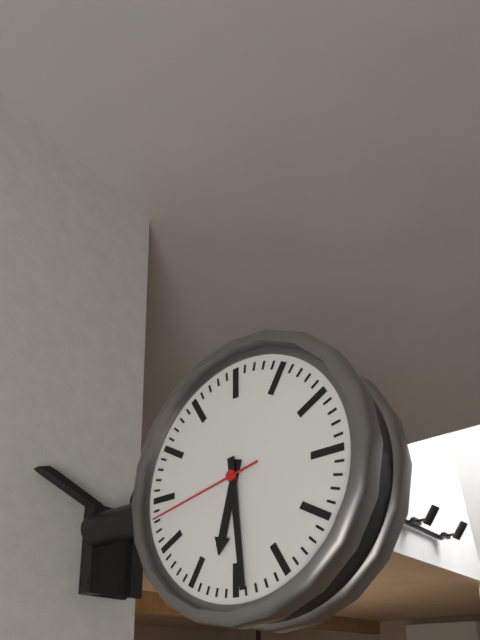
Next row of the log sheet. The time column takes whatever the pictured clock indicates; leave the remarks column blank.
6:29:43
